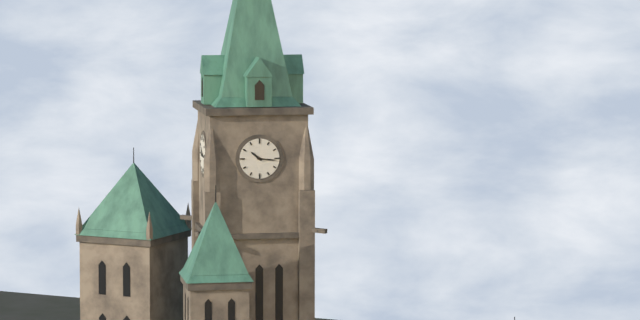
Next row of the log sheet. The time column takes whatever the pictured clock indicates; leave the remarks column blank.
10:16
